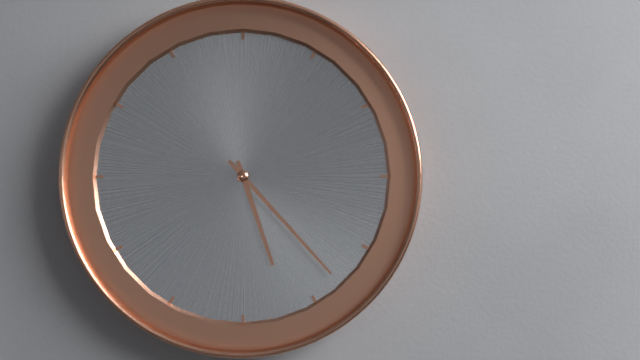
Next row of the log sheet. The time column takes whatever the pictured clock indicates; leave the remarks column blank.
5:23
